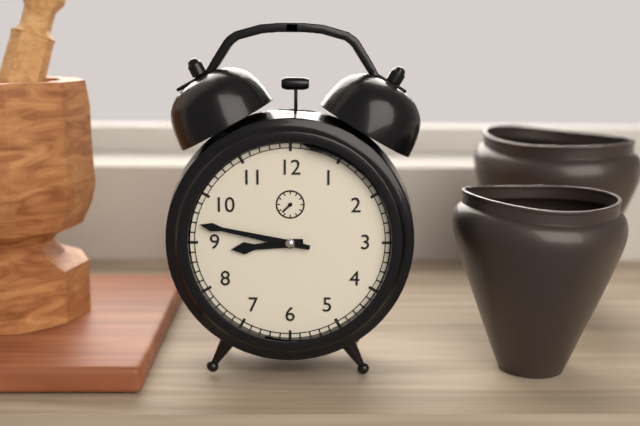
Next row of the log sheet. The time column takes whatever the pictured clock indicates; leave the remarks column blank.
8:47
